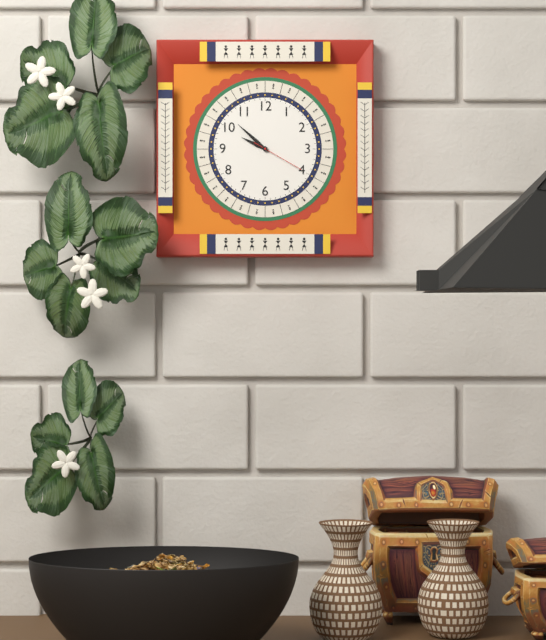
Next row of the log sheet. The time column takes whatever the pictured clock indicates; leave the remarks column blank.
9:52:20
